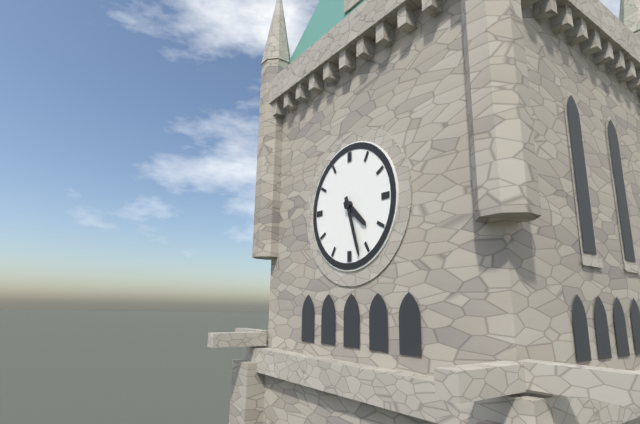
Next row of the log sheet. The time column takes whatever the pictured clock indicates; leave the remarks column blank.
4:27
